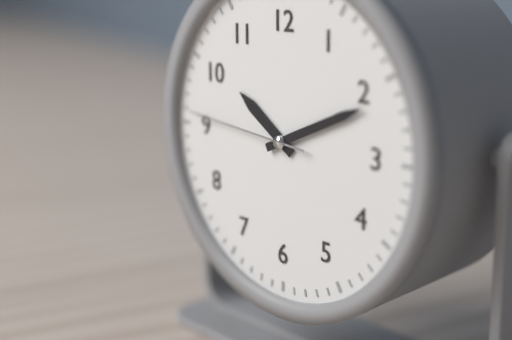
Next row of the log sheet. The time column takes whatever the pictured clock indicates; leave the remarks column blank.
10:11:46
